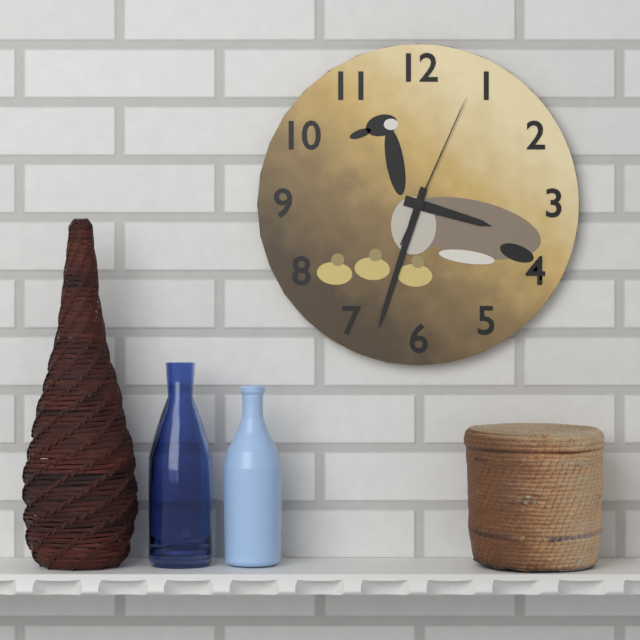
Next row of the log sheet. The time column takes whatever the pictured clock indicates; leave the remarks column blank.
3:33:04
